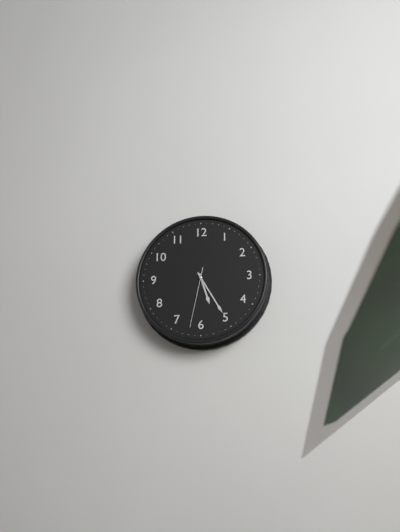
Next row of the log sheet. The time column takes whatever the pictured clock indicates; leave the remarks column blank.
5:25:32
